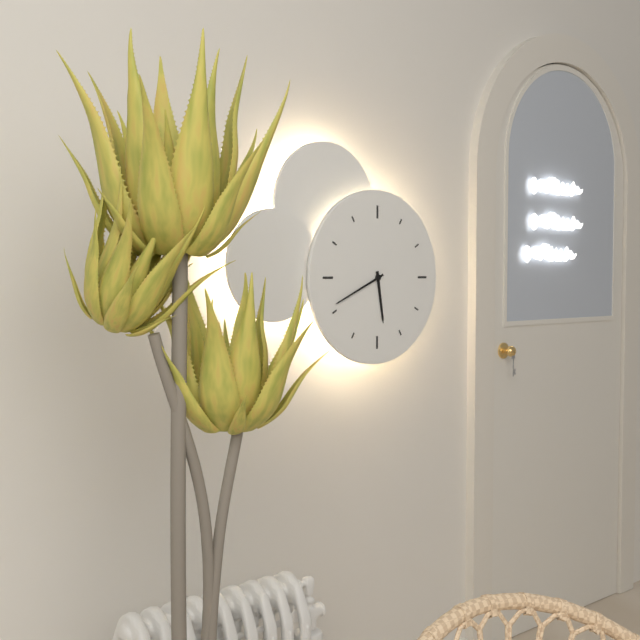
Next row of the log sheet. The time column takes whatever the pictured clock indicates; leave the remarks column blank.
5:41
